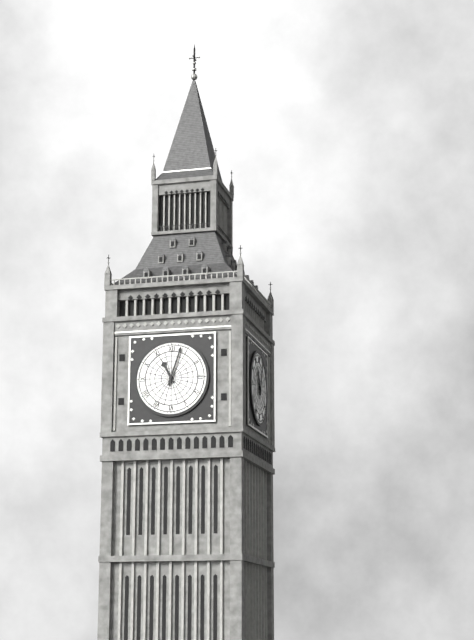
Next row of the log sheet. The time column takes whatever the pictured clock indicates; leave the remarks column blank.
11:03
